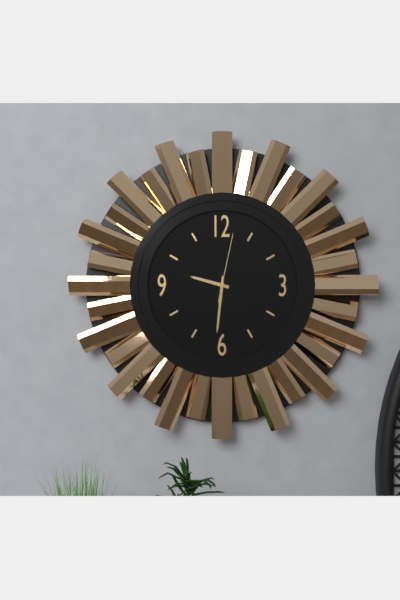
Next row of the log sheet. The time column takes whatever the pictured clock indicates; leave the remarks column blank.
9:31:02
